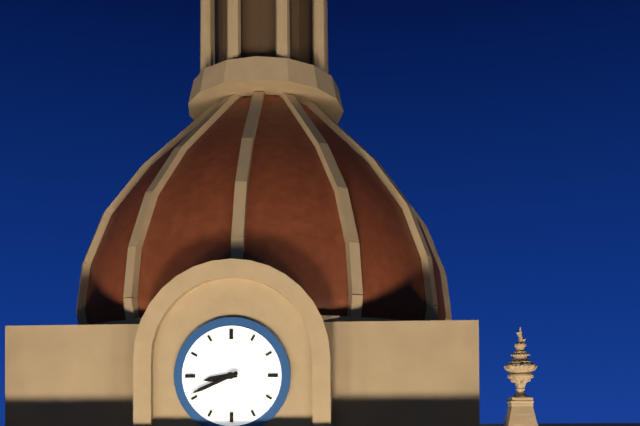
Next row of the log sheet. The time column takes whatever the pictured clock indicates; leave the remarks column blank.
8:41
